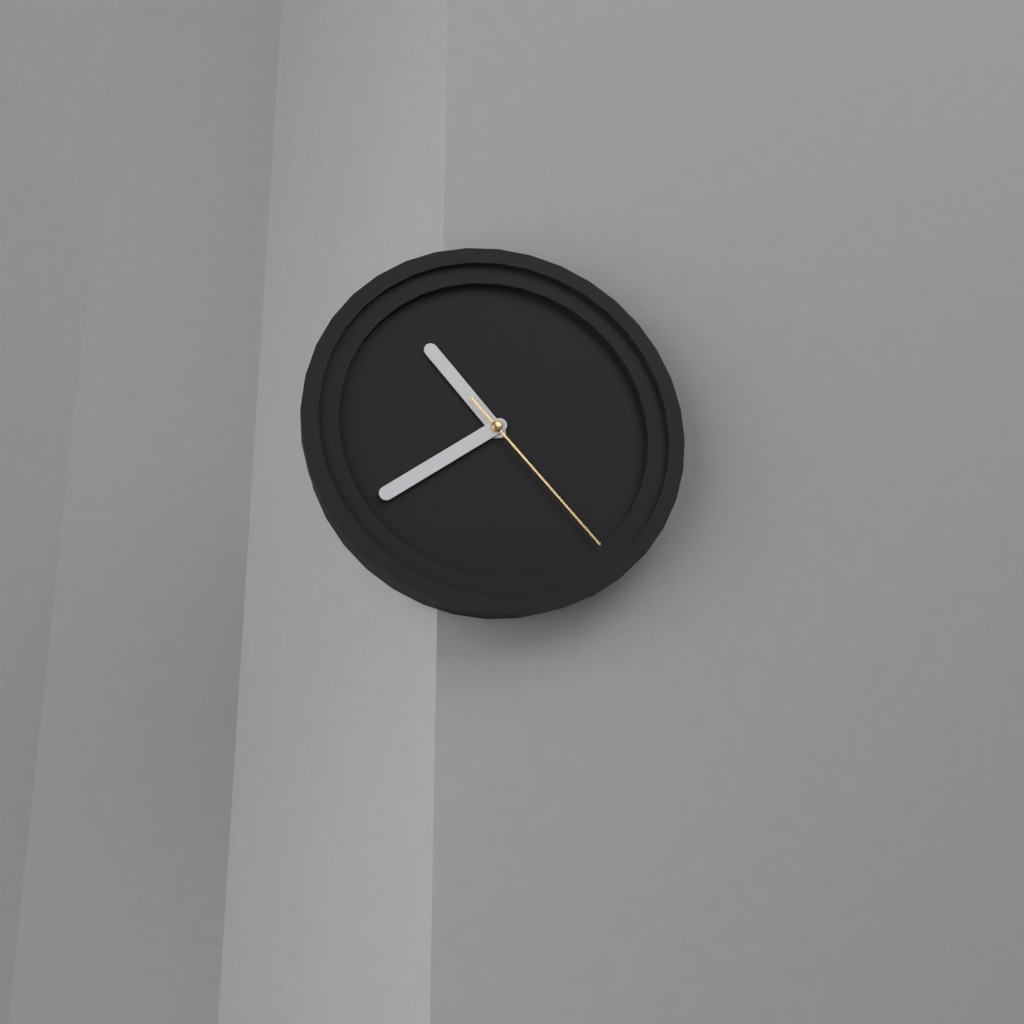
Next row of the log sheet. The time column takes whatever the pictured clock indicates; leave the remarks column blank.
10:39:23
